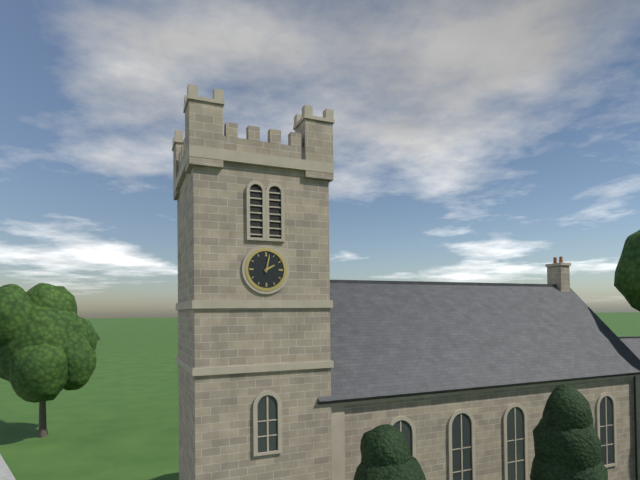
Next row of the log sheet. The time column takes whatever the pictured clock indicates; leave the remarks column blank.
2:02
